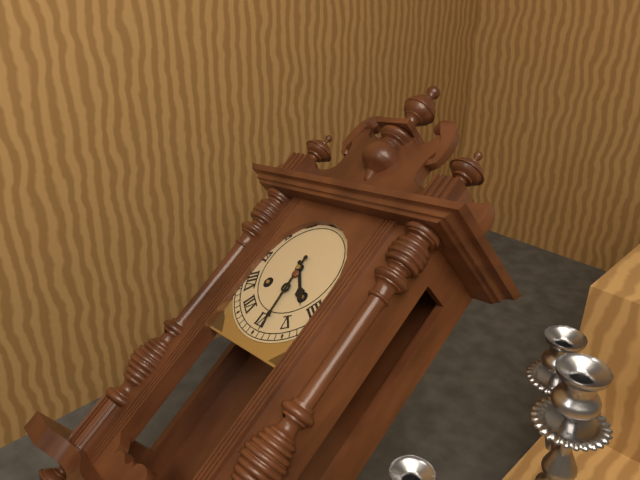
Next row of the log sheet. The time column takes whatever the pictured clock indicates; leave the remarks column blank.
4:29
